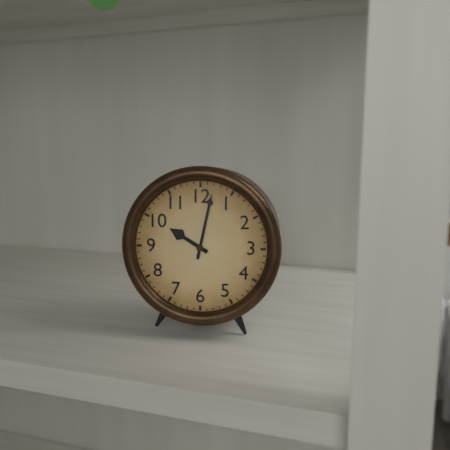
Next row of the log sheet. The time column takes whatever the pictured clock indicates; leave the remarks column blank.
10:02
